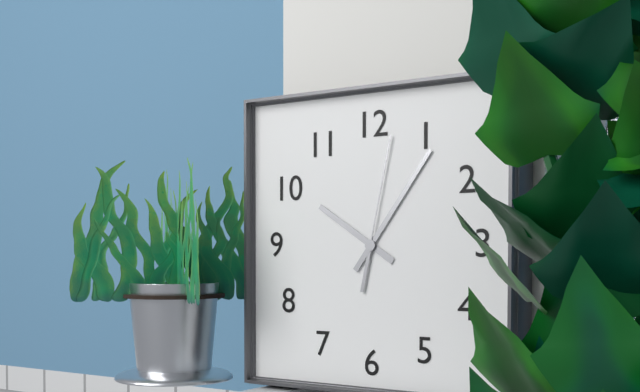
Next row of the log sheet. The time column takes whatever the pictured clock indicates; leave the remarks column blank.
10:06:02
